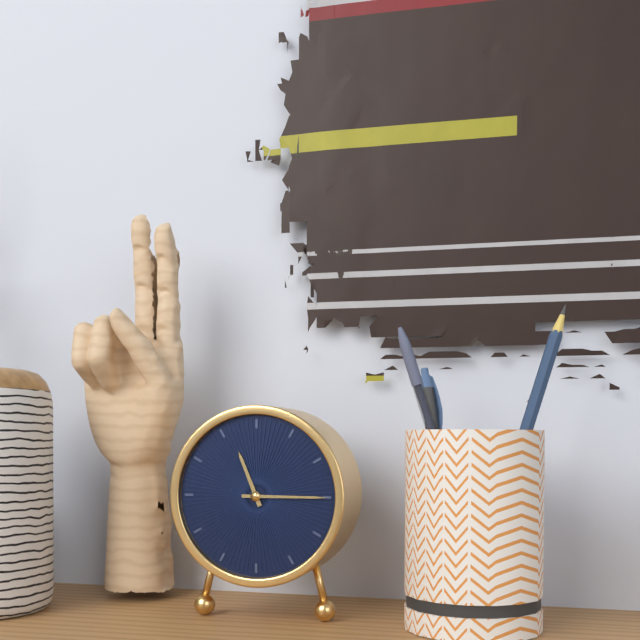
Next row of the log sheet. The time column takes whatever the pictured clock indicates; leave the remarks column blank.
11:15
